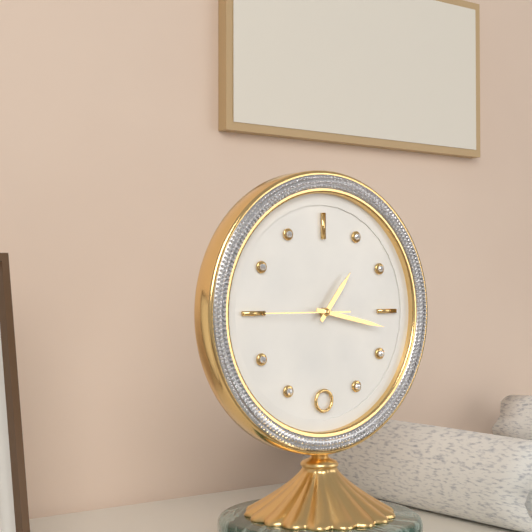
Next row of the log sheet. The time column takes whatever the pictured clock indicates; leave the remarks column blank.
1:17:45
